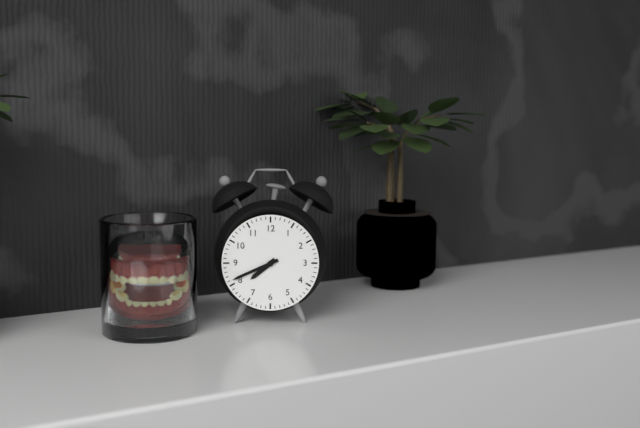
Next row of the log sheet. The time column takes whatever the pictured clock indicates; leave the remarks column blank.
7:41
